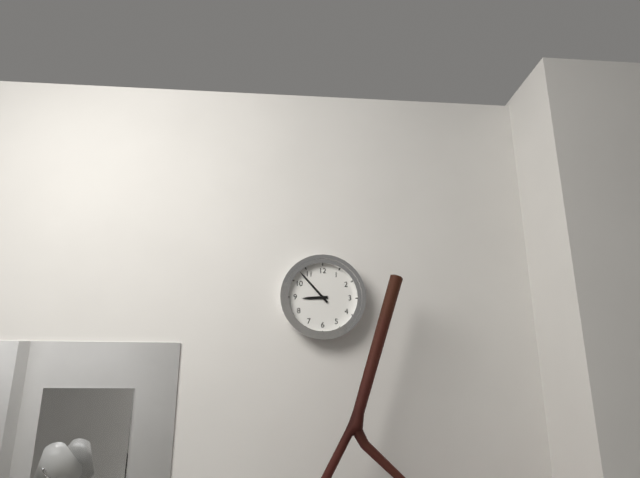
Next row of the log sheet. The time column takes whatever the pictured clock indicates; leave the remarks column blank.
8:53
